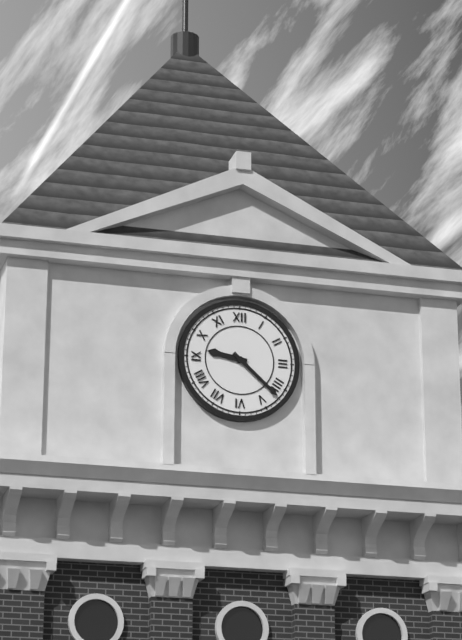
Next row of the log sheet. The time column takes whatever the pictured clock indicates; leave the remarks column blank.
9:22
